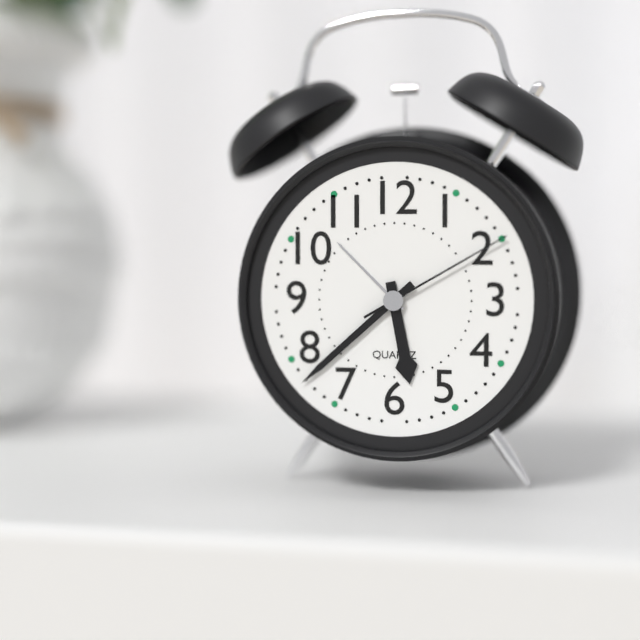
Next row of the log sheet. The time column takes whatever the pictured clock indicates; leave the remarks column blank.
5:38:10
